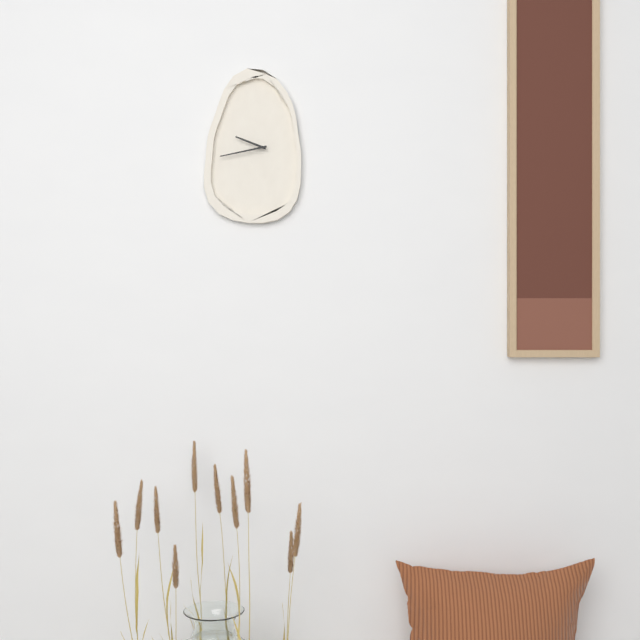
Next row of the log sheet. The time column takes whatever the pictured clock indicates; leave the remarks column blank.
9:43
